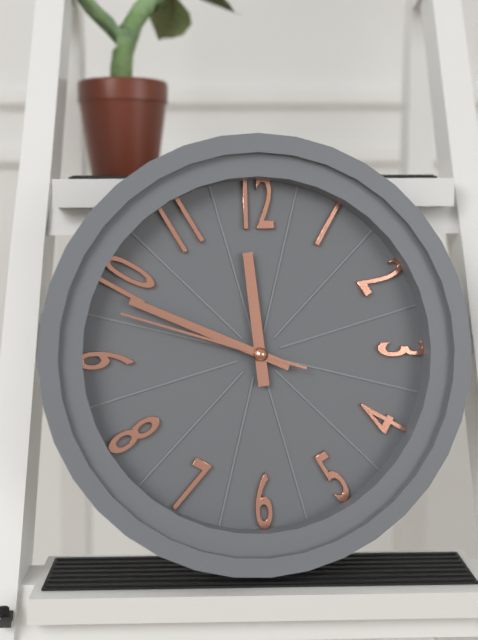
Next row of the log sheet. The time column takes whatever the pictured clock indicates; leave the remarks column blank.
11:49:48
